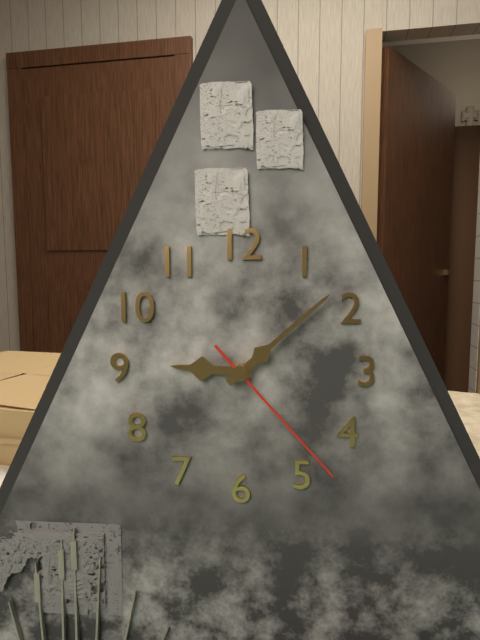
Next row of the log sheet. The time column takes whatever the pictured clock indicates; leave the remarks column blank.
9:08:23
